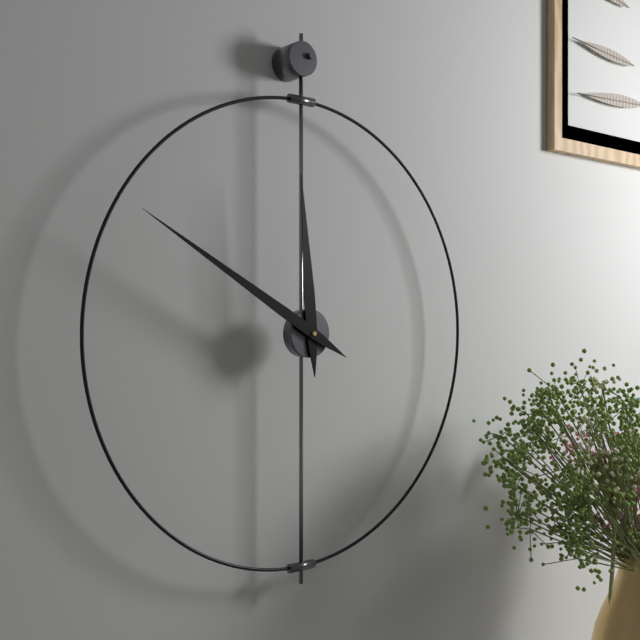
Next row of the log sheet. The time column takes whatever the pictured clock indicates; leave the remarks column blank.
11:50
